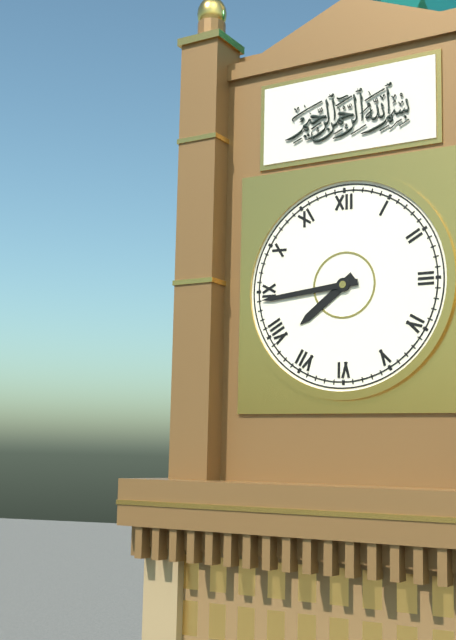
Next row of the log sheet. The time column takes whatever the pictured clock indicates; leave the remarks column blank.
7:44
